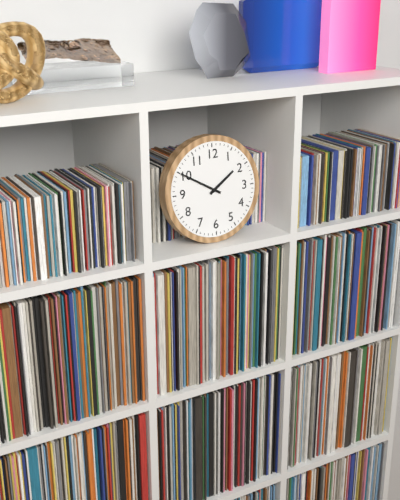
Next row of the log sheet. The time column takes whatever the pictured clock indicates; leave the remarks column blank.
1:50
